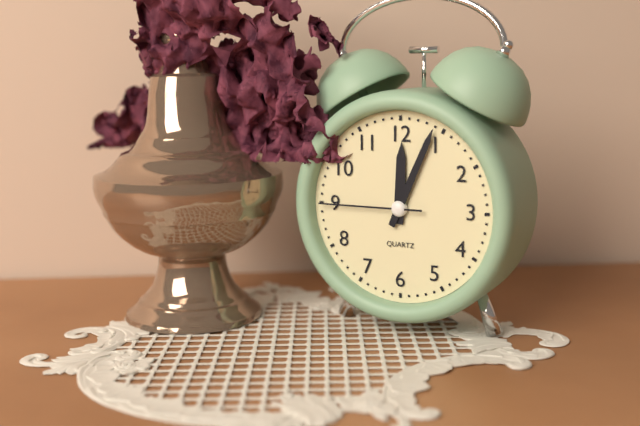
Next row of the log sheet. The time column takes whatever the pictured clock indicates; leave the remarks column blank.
12:04:45
